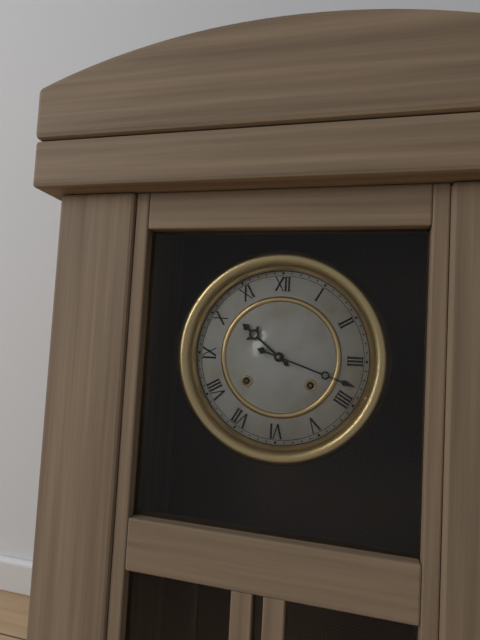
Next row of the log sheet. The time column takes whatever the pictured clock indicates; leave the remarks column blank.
10:18
